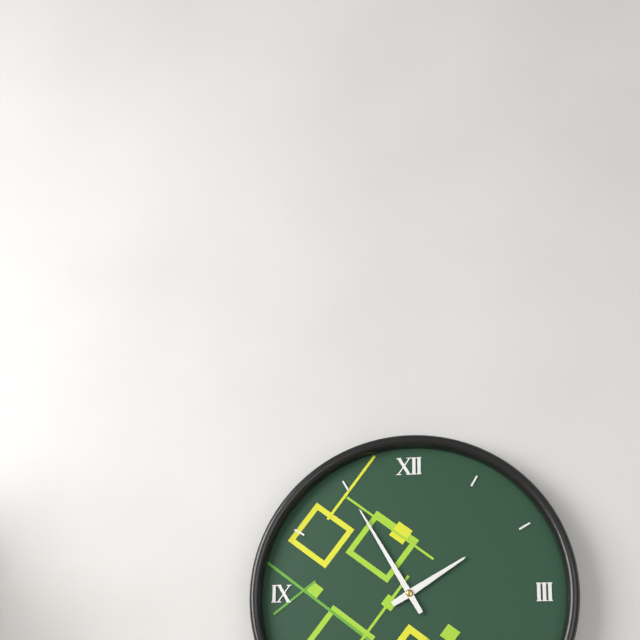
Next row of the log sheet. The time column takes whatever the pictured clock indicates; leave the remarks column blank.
1:55
